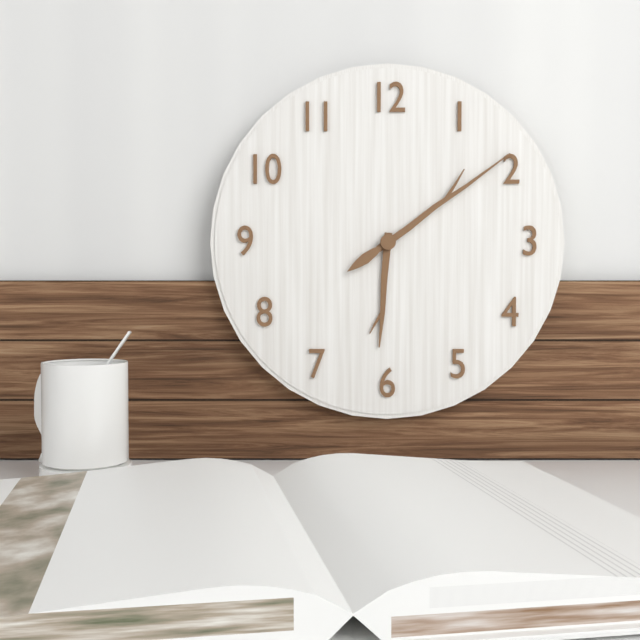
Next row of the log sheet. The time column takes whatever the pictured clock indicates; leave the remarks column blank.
6:09:39
